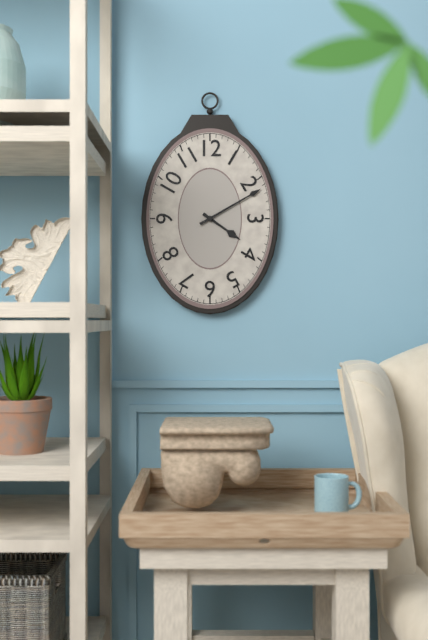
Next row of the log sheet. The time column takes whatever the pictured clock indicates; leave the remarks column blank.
4:10
